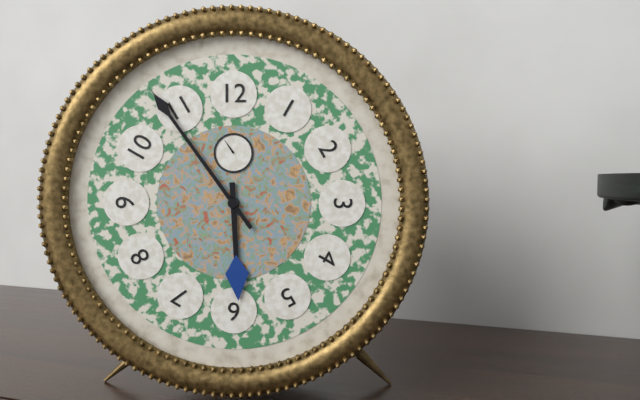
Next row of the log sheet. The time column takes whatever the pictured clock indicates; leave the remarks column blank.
5:54
